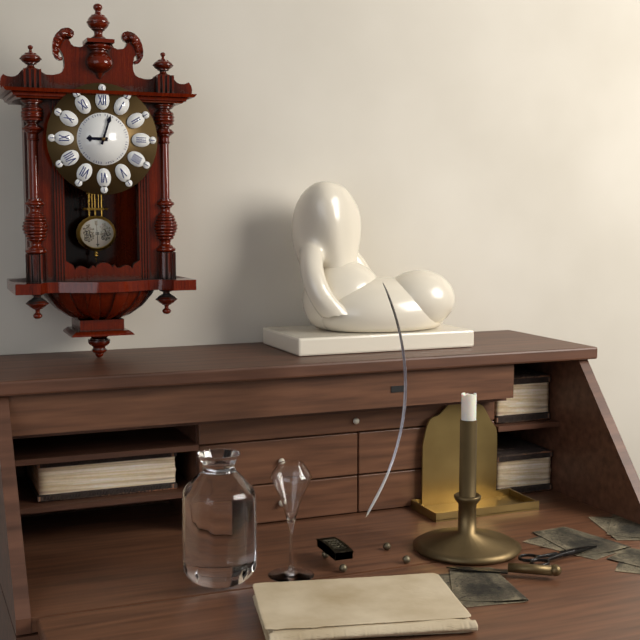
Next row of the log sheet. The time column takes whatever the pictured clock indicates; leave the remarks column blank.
9:03
